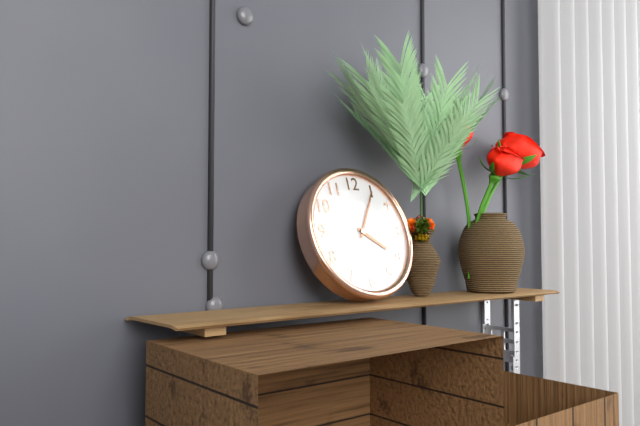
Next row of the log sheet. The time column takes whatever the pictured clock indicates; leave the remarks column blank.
4:05
